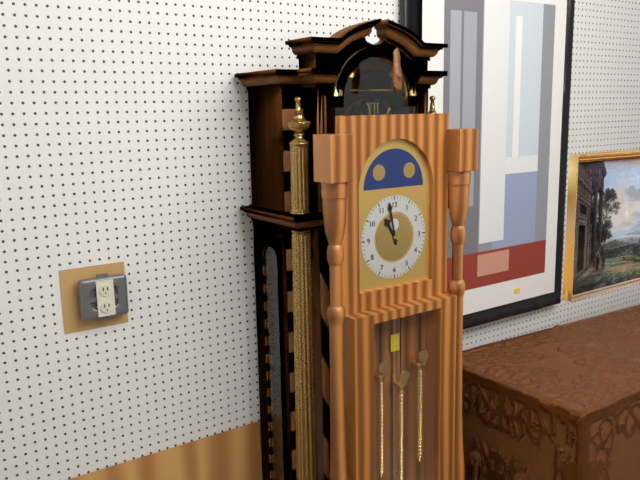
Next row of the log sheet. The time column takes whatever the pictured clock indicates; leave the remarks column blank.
10:58
